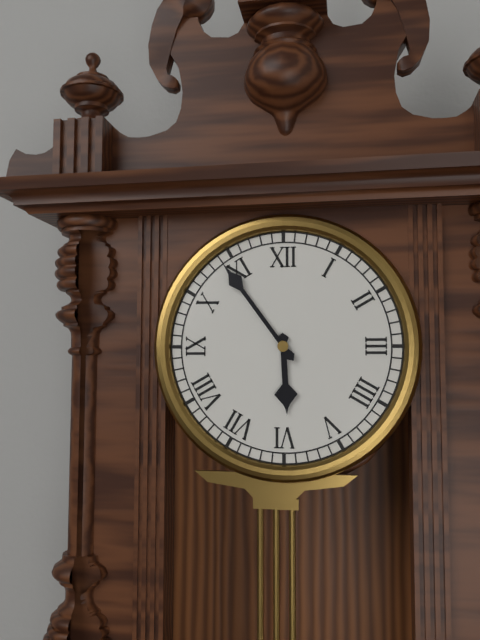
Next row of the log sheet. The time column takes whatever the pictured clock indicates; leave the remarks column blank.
5:54
